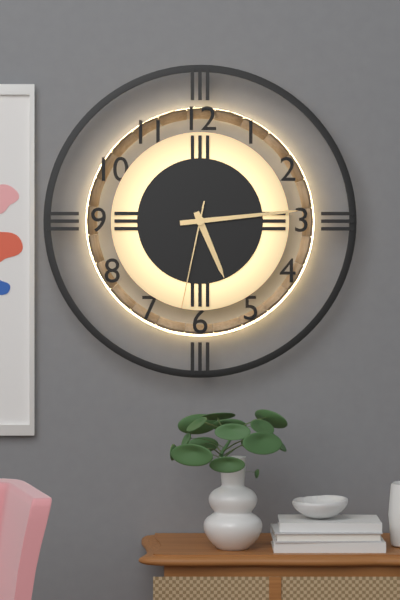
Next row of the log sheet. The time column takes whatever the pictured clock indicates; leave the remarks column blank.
5:14:32
